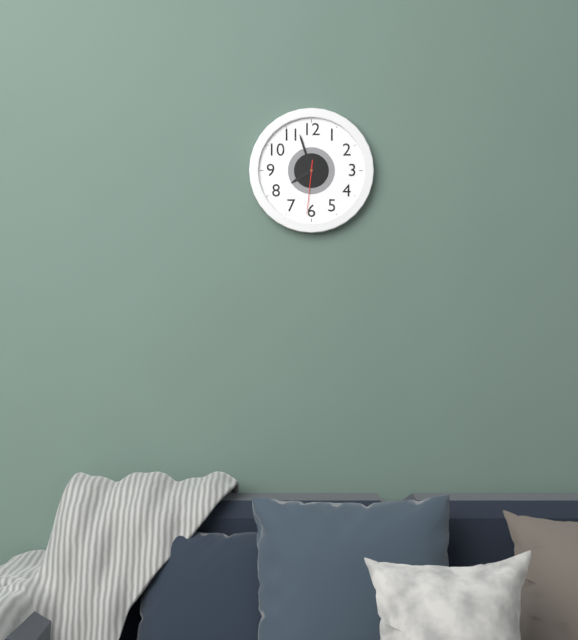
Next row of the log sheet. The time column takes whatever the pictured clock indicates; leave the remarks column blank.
7:57:31
